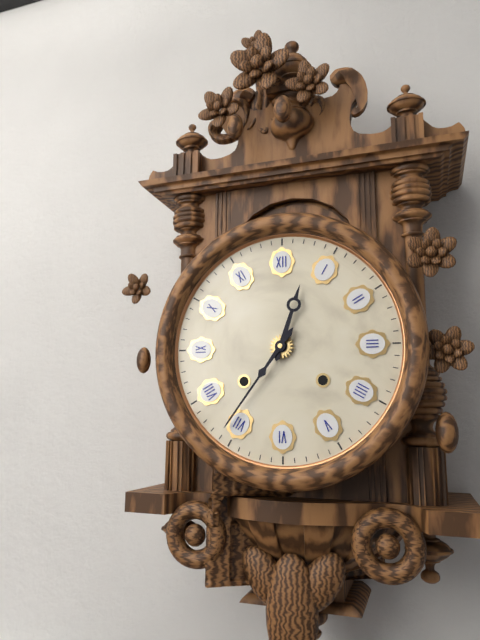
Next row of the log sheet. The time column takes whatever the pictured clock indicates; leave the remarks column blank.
12:36
